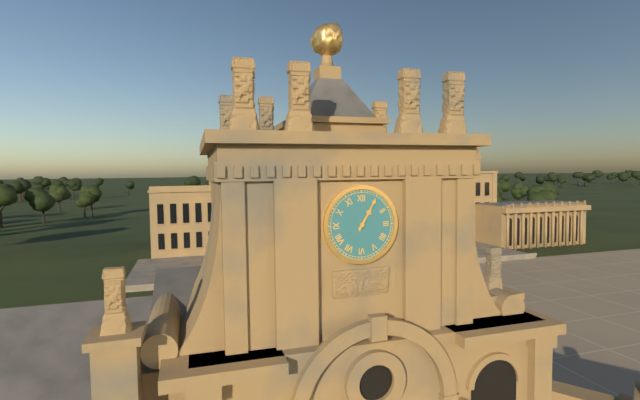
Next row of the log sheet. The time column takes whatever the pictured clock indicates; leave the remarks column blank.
1:05
